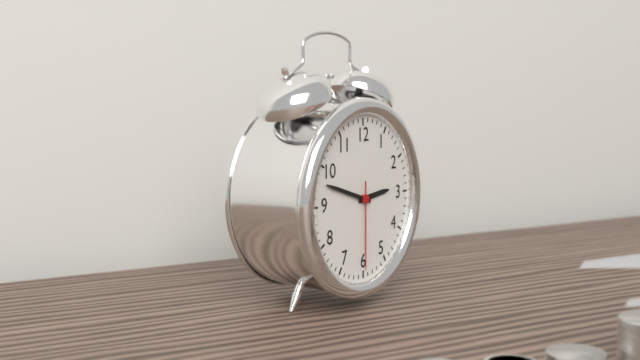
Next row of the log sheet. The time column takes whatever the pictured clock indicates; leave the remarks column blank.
2:48:30
